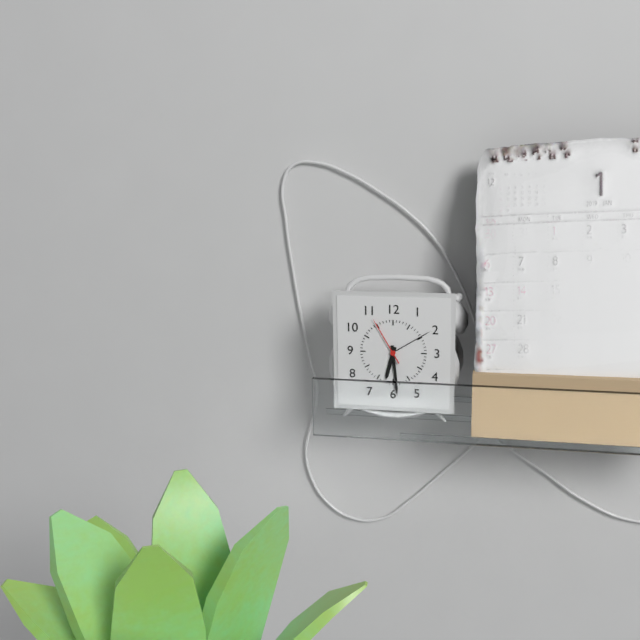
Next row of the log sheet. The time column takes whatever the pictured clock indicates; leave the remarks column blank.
6:29
